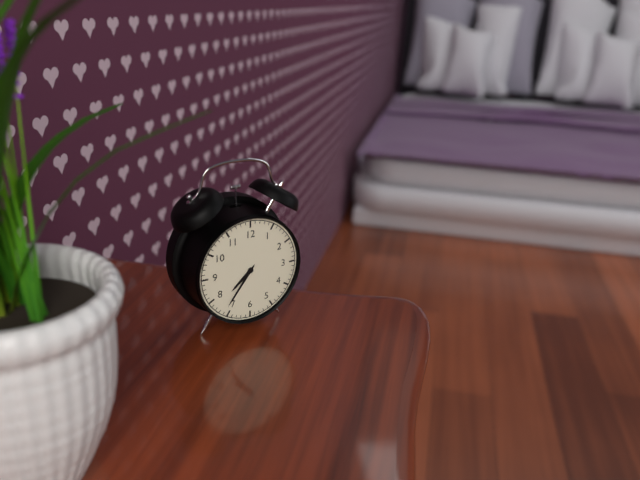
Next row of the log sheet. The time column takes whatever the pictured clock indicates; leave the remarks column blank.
7:36
